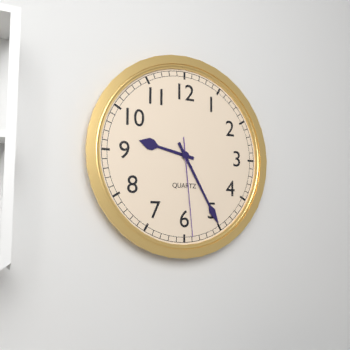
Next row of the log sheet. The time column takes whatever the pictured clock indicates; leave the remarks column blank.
9:25:29
